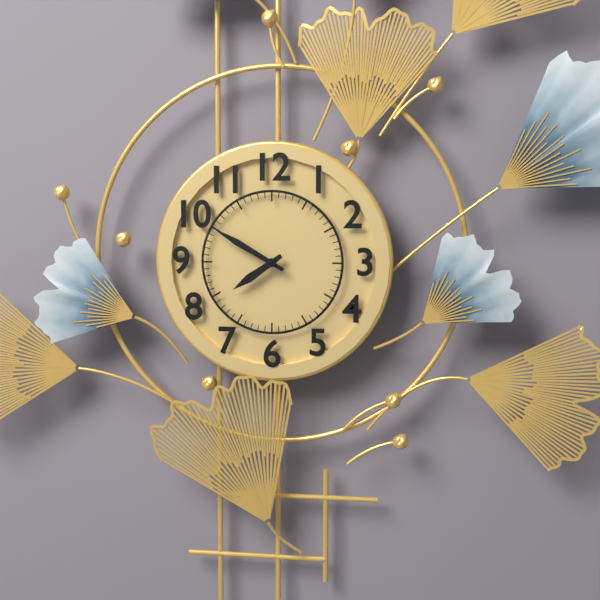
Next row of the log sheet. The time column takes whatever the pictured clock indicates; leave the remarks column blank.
7:50
